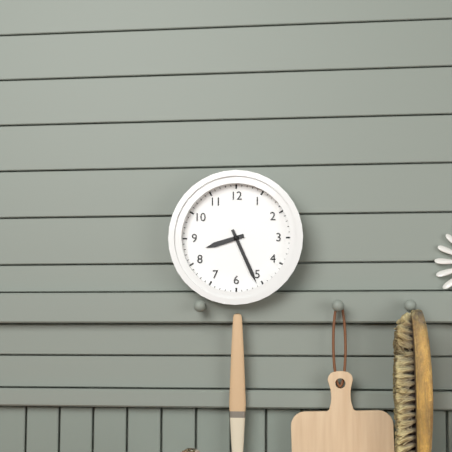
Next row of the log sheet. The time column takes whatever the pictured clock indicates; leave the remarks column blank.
8:26
